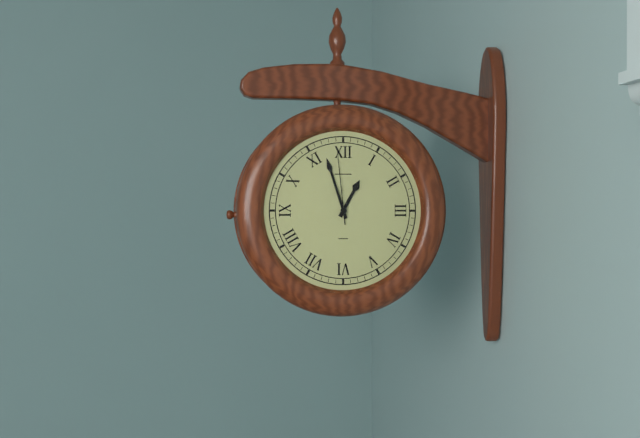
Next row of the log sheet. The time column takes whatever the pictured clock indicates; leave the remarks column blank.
12:57:59
